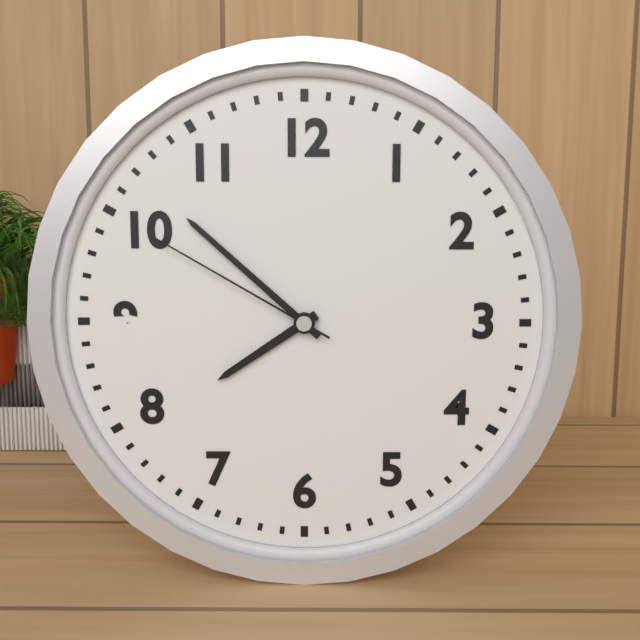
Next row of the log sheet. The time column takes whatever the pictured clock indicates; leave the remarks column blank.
7:52:50
